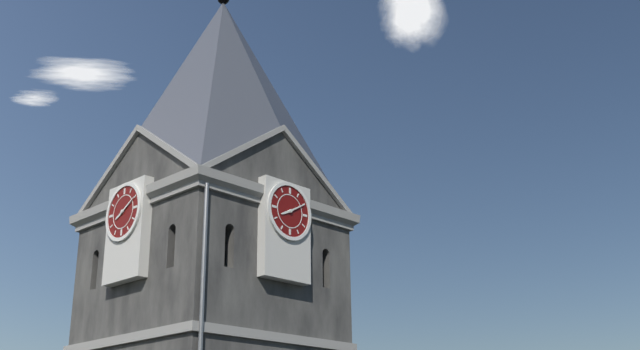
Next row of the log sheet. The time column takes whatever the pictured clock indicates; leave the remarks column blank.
8:10
